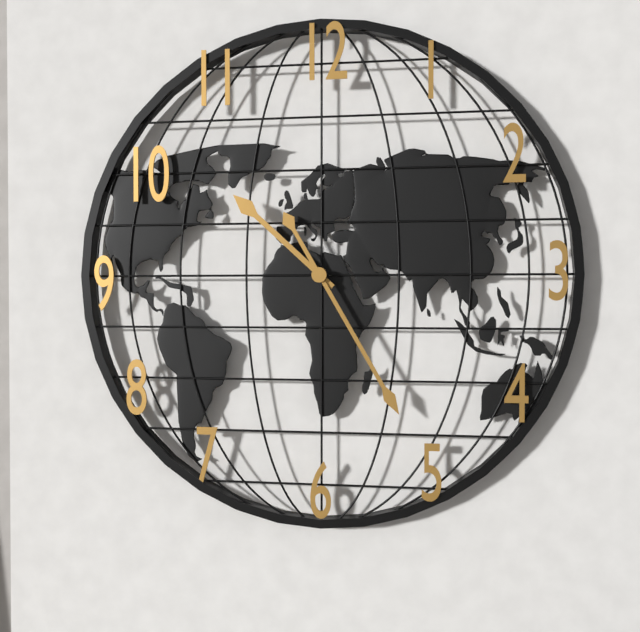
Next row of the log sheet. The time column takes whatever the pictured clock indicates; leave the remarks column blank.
10:25
